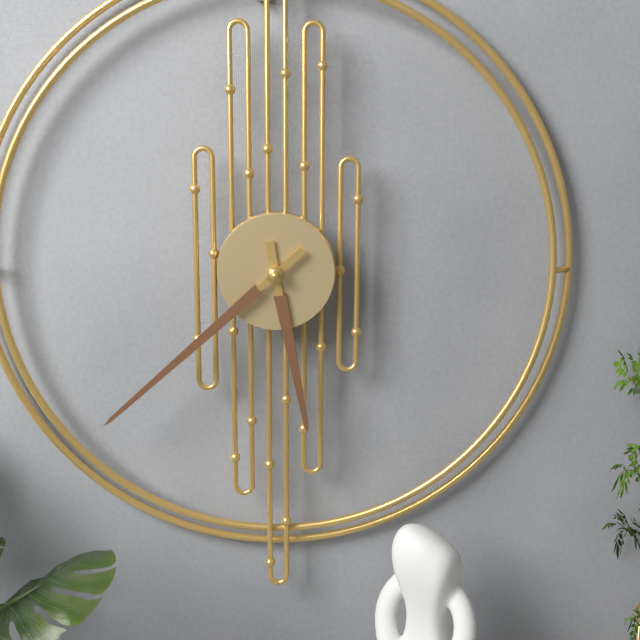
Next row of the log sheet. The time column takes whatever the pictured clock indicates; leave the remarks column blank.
5:38
